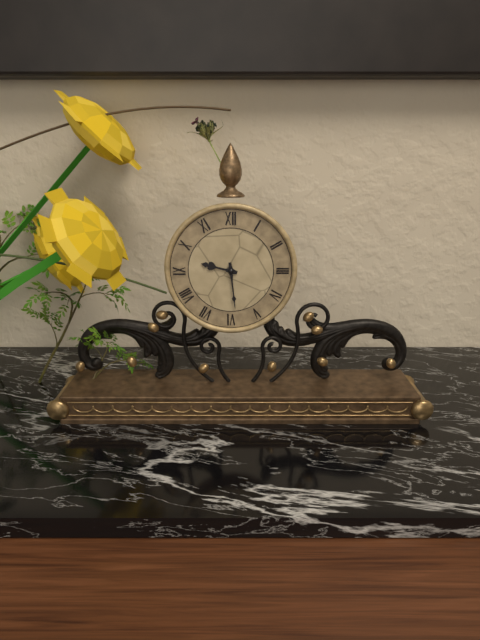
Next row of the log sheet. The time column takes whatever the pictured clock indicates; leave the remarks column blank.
9:29
